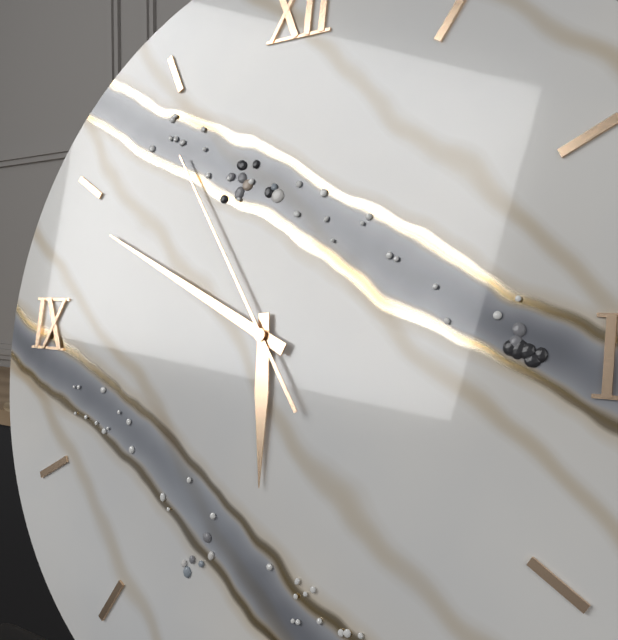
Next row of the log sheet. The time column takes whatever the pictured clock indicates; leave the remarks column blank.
5:49:54
